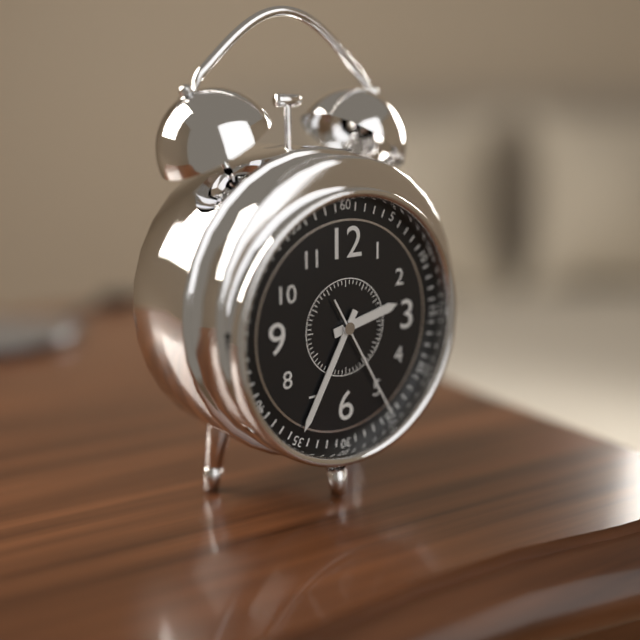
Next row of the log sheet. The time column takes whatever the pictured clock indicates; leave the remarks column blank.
2:35:25
